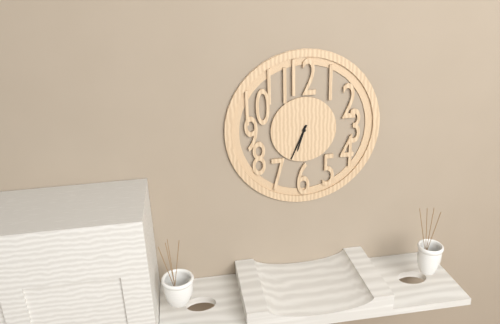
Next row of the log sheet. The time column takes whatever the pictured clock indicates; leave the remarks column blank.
6:34
